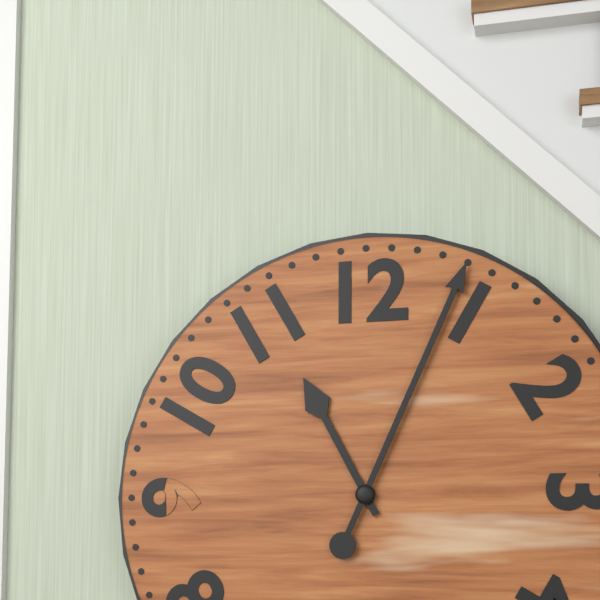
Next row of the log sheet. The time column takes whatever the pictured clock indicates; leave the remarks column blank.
11:04
